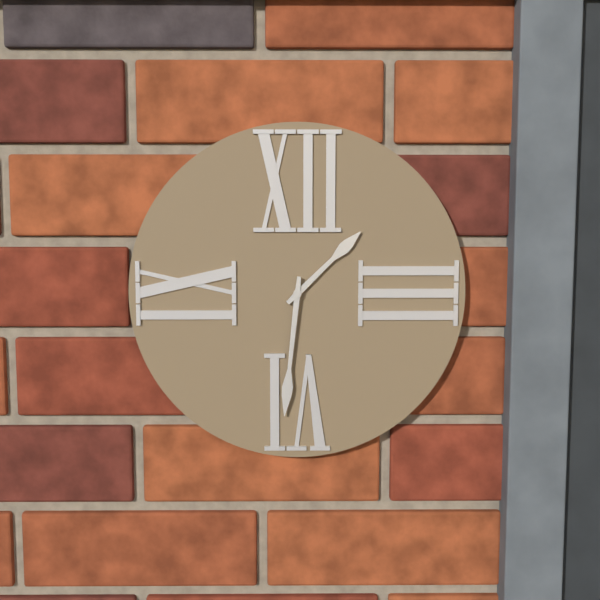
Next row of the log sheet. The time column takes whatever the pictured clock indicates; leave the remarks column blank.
1:31
